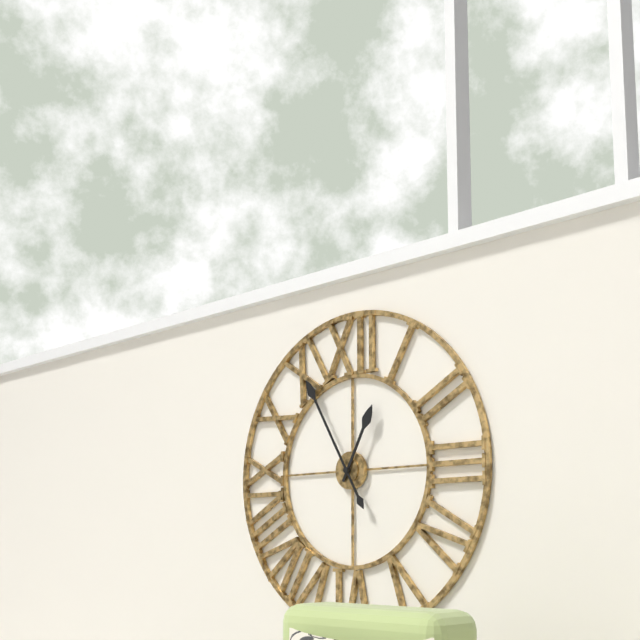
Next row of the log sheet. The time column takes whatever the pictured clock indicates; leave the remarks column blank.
12:55
